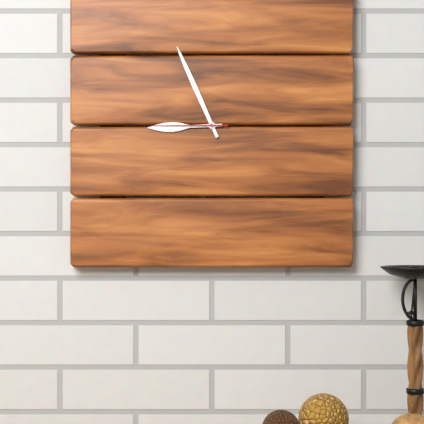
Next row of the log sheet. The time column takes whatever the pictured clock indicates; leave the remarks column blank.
8:56:45
